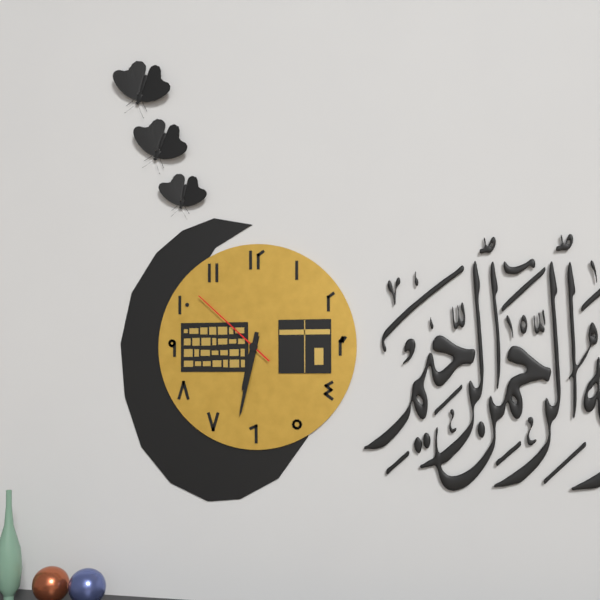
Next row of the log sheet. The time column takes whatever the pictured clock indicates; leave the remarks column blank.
6:32:52
